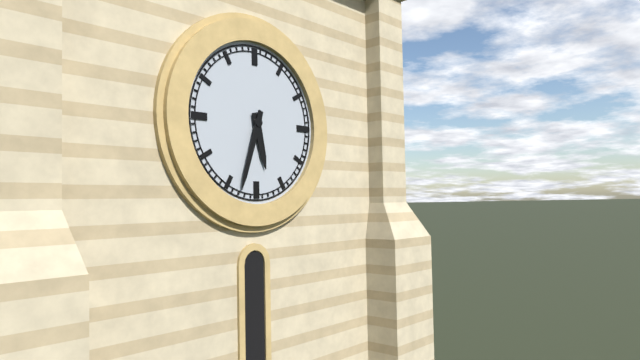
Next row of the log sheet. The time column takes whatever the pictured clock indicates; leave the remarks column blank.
5:33
